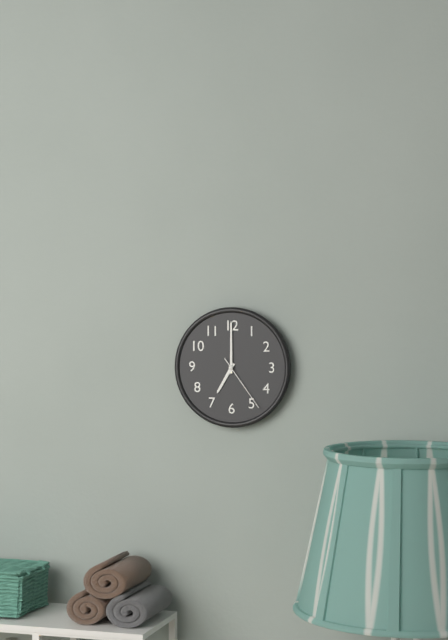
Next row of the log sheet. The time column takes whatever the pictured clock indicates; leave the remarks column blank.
7:00:24
